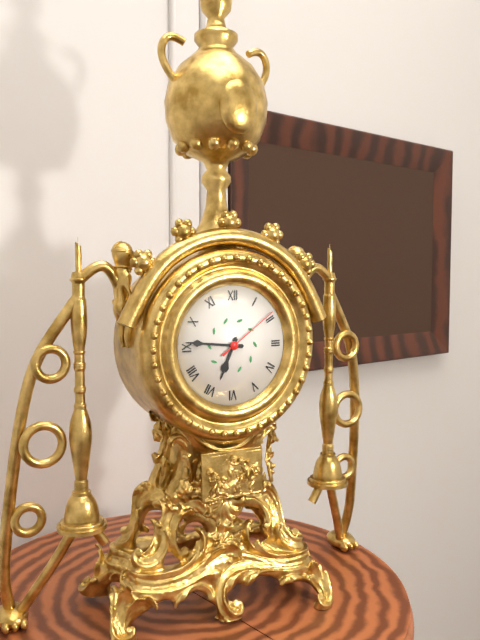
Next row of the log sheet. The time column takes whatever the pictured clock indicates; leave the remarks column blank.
6:46:09
